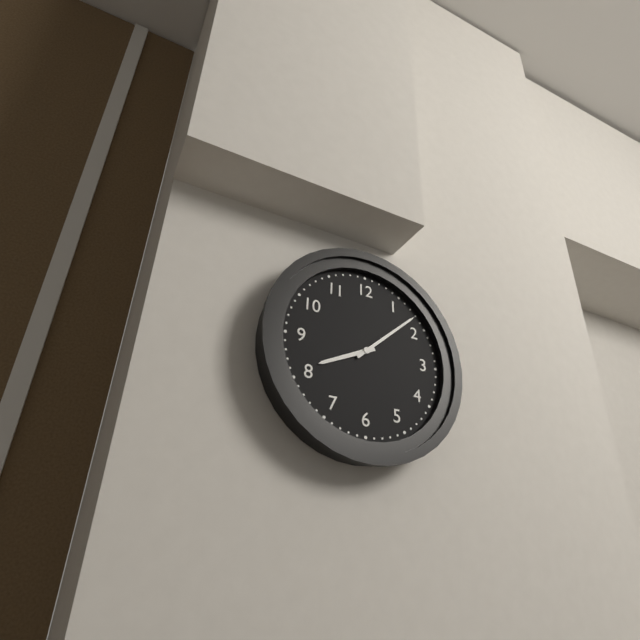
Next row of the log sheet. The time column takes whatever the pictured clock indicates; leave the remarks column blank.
8:08
